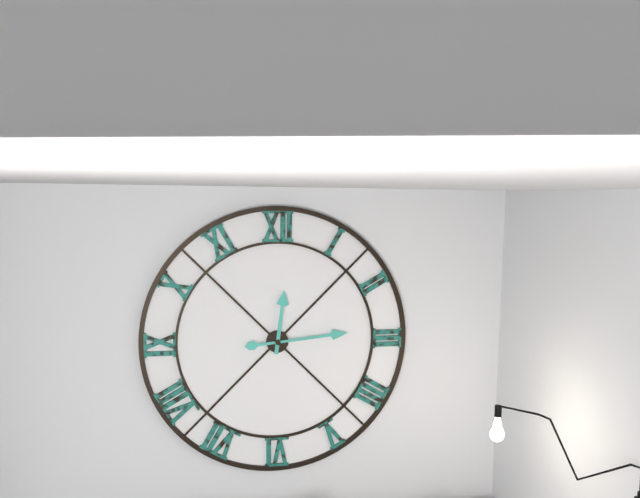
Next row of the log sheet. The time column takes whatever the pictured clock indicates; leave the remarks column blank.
12:14
